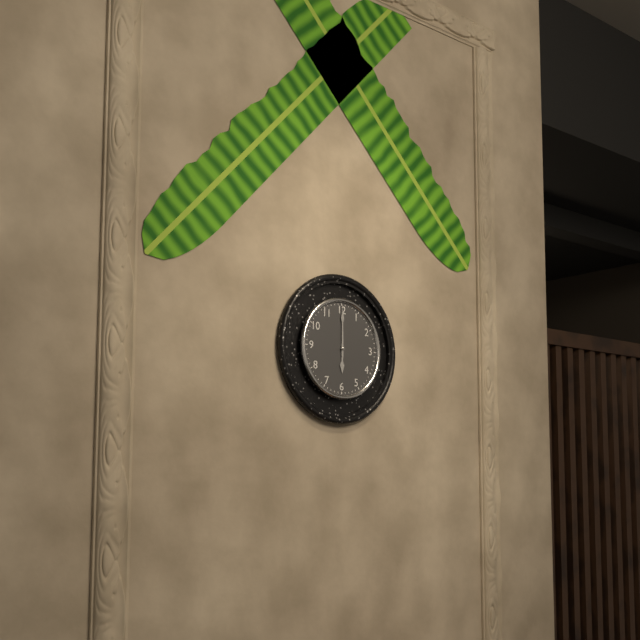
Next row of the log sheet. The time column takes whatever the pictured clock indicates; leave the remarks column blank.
6:00
